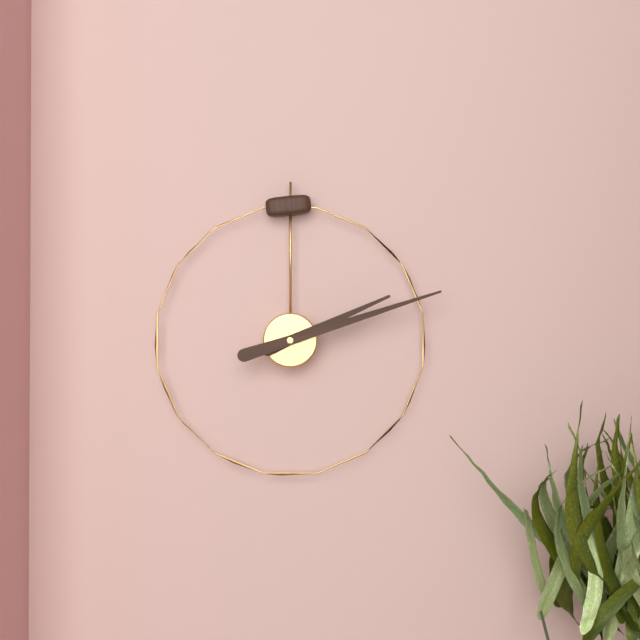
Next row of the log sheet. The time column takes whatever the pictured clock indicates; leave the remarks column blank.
2:12
